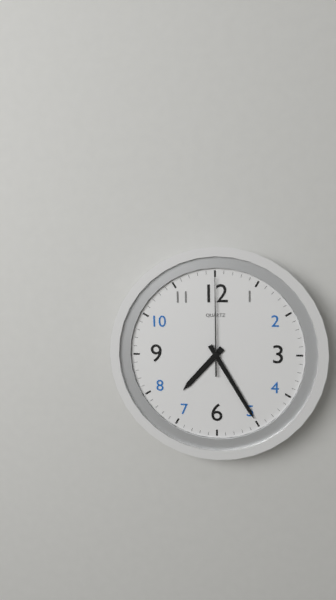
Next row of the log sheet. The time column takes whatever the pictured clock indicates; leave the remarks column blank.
7:25:00
